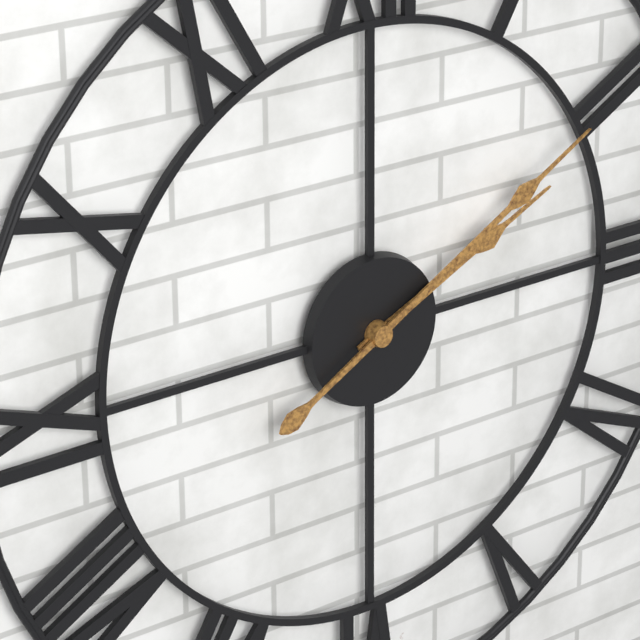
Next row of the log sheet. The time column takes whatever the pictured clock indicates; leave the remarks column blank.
2:10
